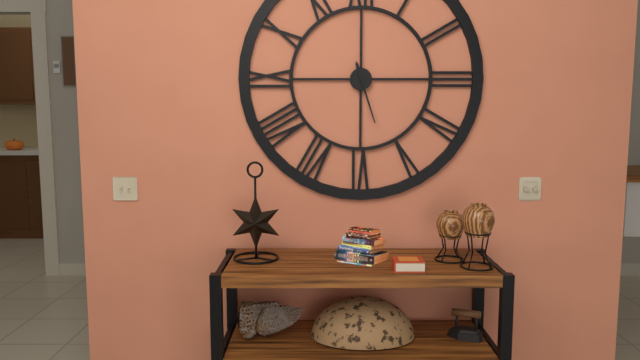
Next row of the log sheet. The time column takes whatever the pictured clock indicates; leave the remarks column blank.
11:27
